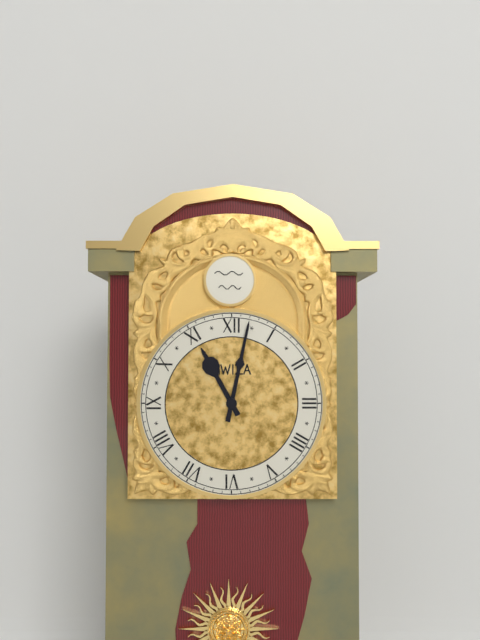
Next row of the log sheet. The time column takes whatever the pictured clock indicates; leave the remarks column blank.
11:02
